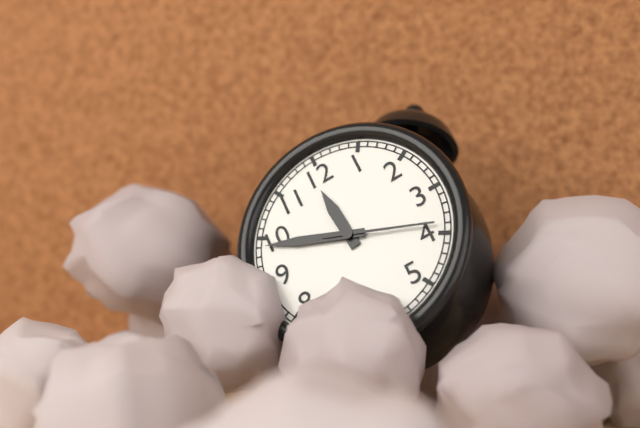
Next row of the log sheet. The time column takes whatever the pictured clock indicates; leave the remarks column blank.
11:49:19
